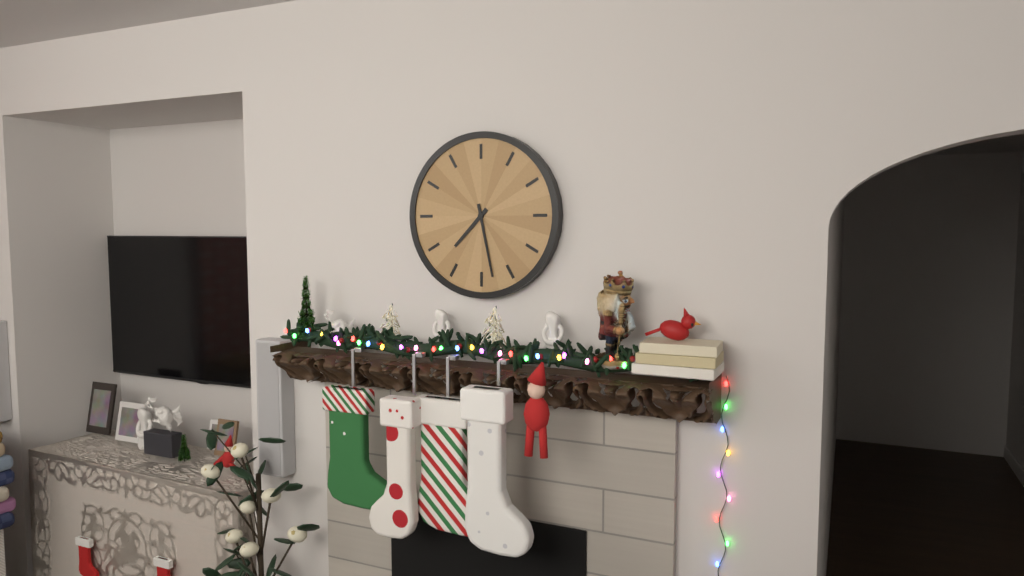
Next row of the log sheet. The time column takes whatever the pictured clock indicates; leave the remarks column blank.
7:28
